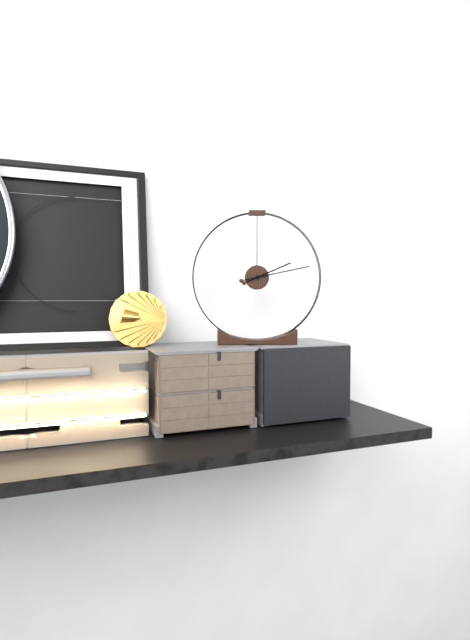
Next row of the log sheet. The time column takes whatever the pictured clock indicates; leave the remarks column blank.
2:13
